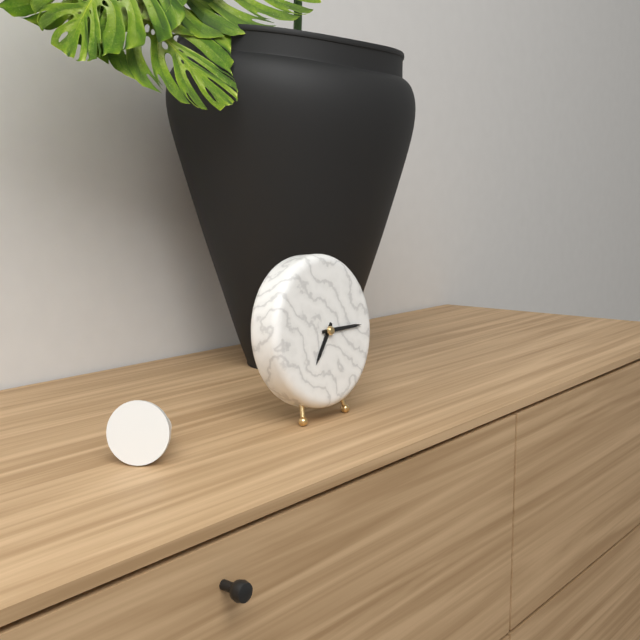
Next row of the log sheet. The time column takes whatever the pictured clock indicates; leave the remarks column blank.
7:15
